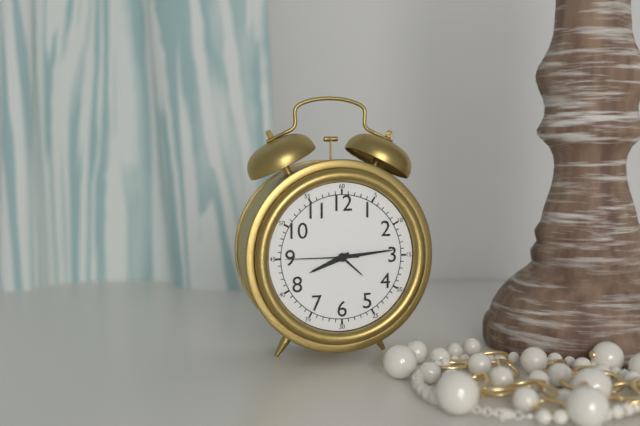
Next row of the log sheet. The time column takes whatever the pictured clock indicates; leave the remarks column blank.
8:14:45
